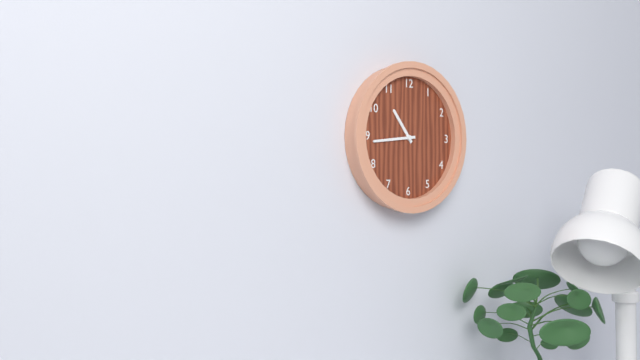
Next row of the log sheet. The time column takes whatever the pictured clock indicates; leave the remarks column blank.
10:44
